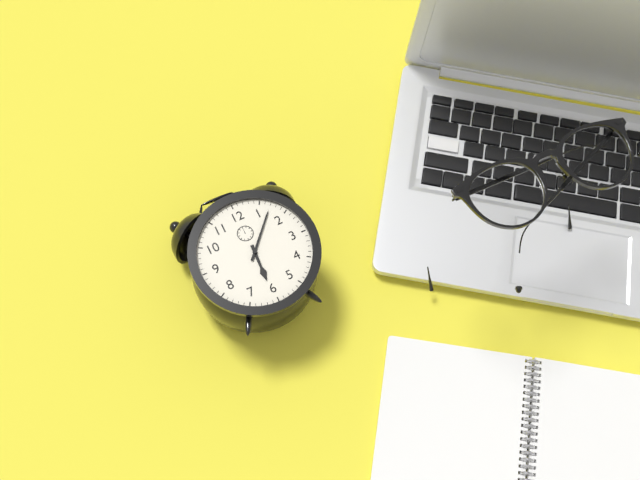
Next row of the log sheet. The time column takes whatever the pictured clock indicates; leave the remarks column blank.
6:07
